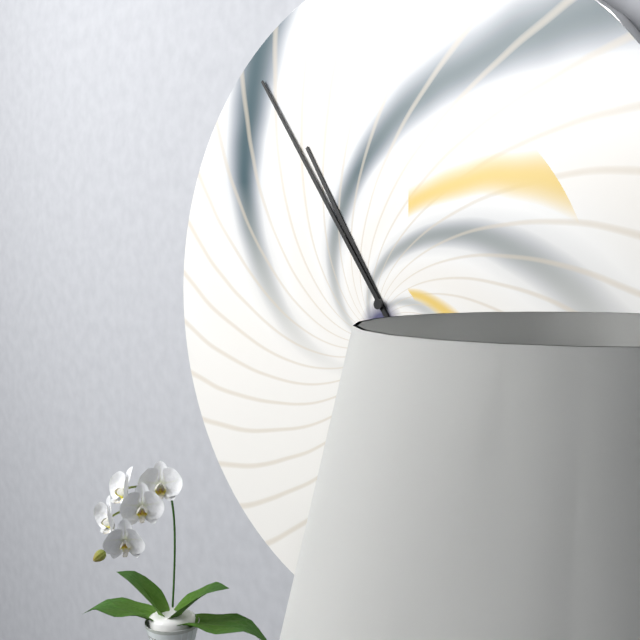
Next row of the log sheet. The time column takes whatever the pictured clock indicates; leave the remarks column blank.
10:54
